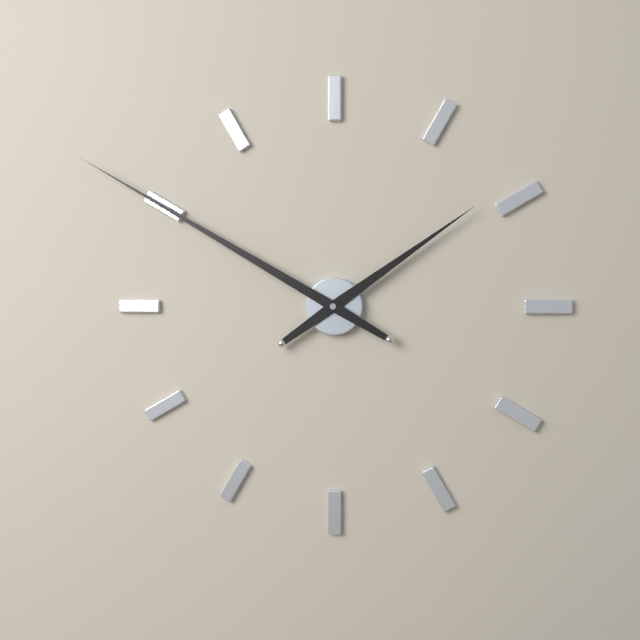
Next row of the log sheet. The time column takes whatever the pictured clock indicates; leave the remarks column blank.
1:50
